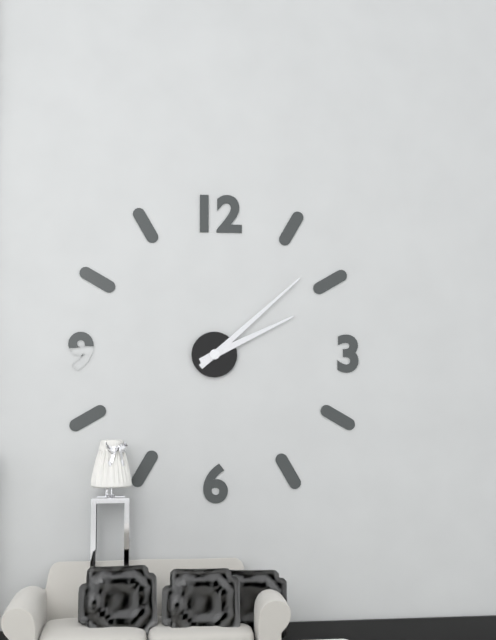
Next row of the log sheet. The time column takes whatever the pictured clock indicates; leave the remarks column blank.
2:08
